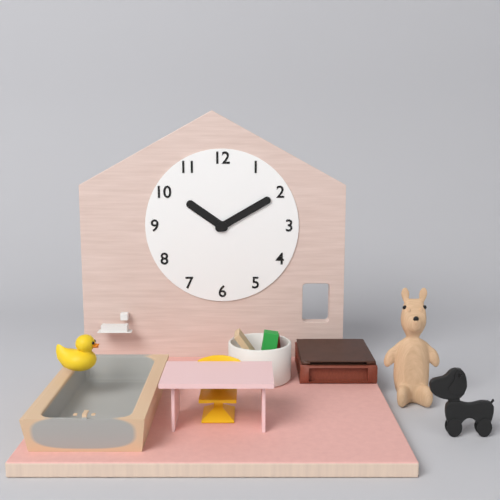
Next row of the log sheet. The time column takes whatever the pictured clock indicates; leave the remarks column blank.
10:10
